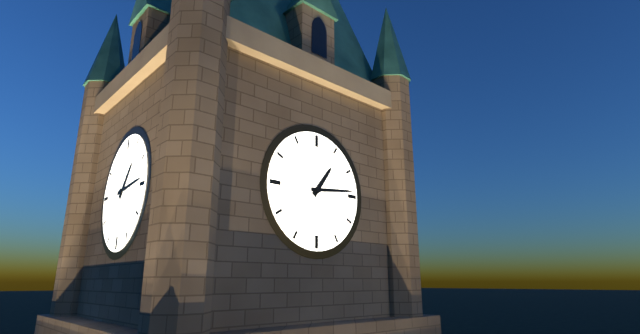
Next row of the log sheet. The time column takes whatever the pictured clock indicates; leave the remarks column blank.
1:14
